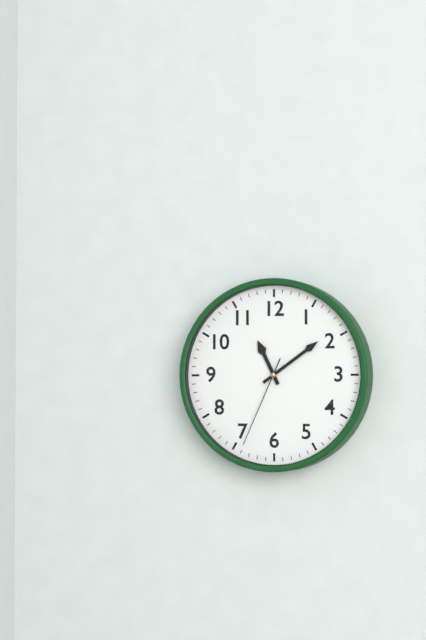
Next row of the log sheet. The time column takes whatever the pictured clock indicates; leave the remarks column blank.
11:09:34
